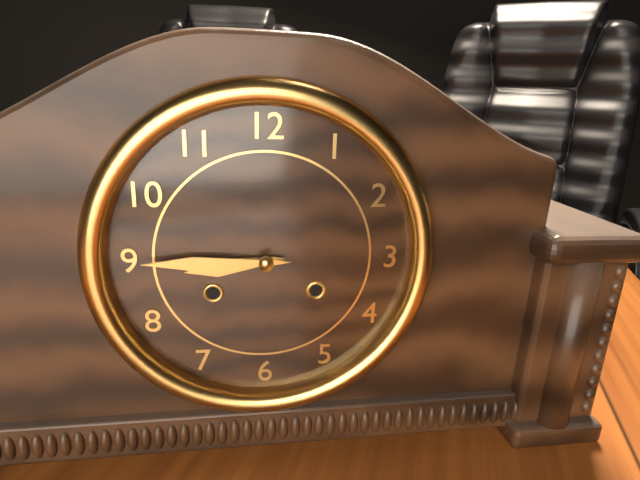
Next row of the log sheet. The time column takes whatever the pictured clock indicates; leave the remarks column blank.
8:45
